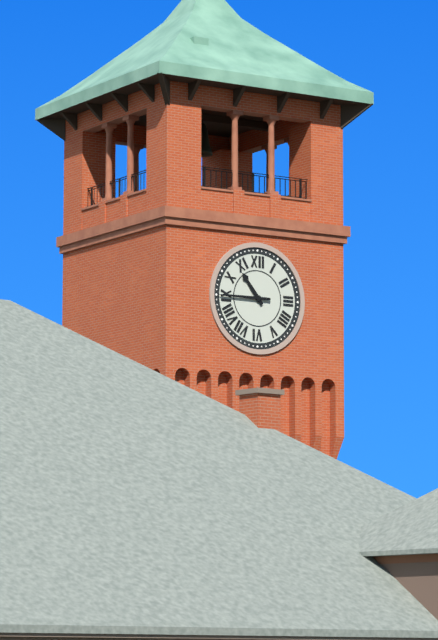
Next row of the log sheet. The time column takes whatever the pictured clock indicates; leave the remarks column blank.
10:45
